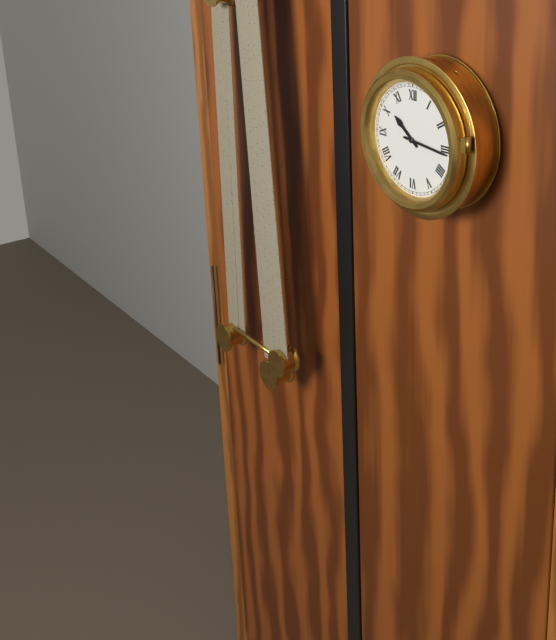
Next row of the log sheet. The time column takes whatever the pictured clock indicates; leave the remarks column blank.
10:16
